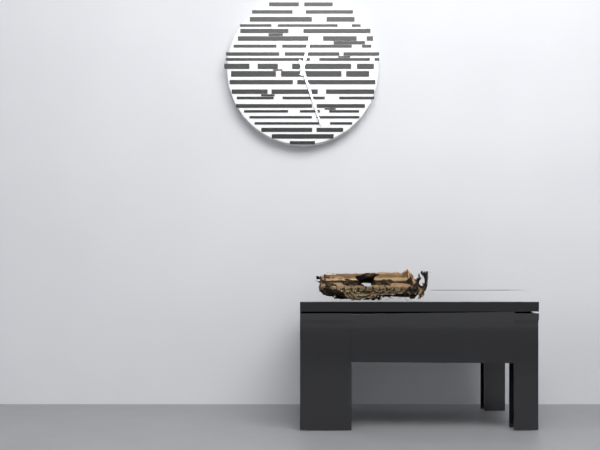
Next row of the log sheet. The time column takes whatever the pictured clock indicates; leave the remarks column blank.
12:27
